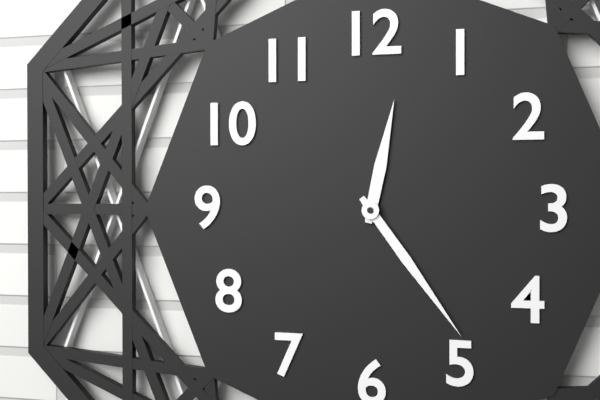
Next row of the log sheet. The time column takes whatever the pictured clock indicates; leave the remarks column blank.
12:24
